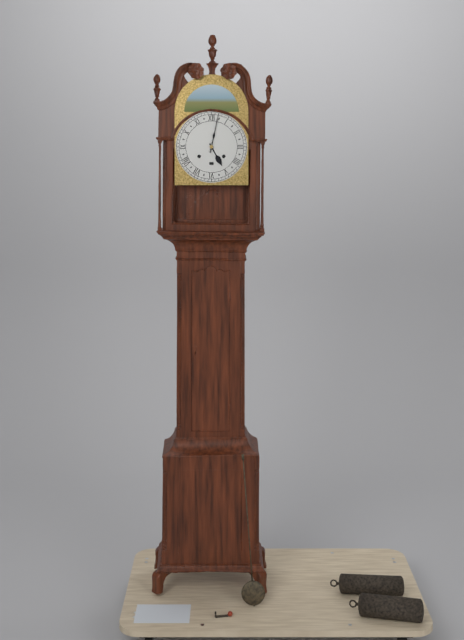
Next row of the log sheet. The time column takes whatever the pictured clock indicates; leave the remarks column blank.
5:02
